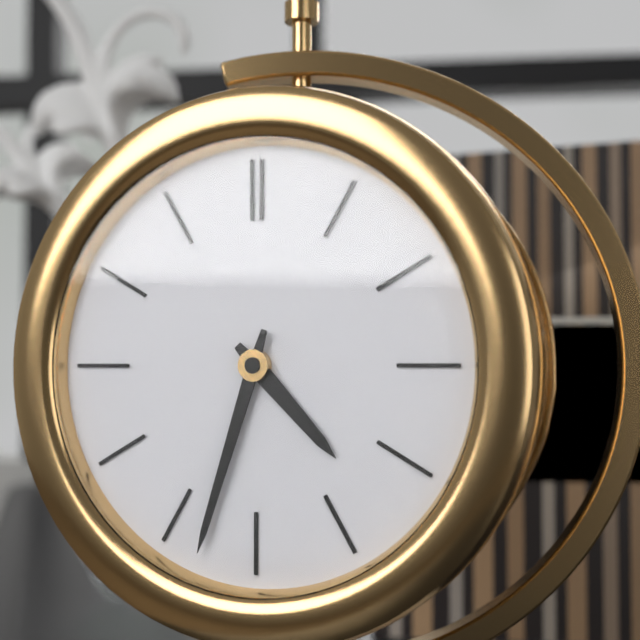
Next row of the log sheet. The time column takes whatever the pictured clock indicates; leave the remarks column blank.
4:33
